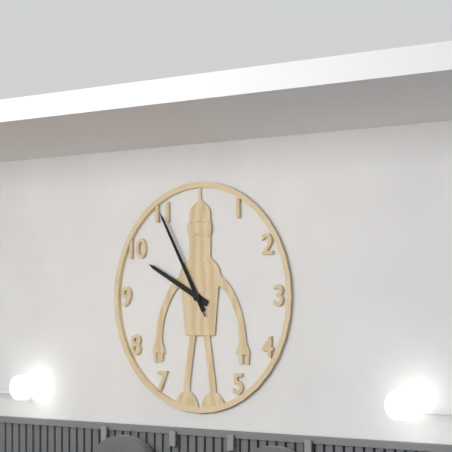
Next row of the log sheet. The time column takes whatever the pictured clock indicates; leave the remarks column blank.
9:55:55
